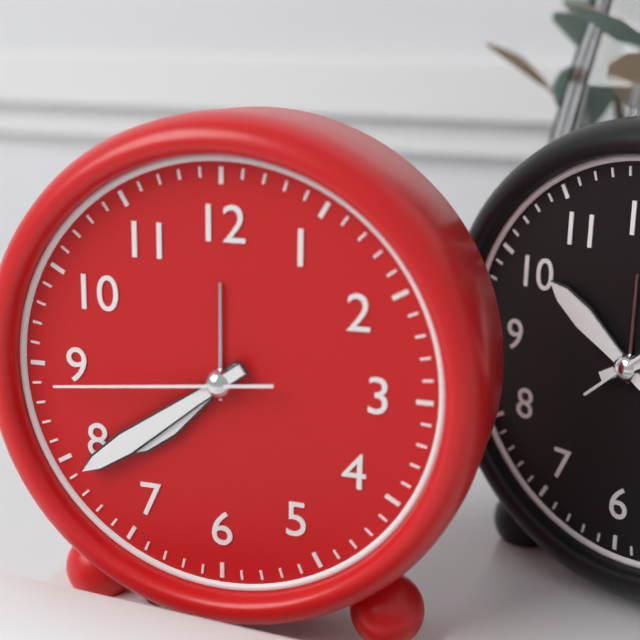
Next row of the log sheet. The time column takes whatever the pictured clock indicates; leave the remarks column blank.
7:39:44
